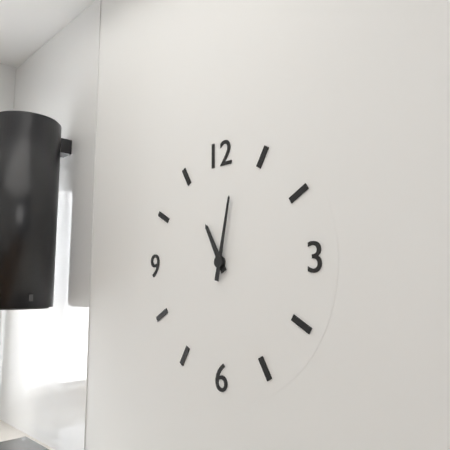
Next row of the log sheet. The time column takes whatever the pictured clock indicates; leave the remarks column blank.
11:02
